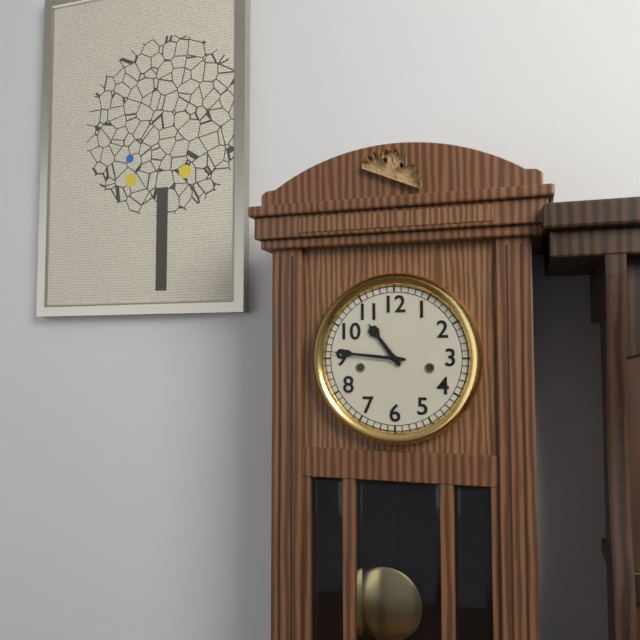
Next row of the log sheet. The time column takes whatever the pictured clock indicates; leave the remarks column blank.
10:46
